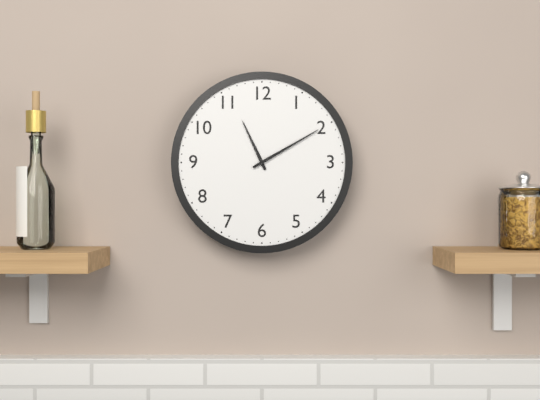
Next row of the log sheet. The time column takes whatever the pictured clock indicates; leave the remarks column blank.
11:10
